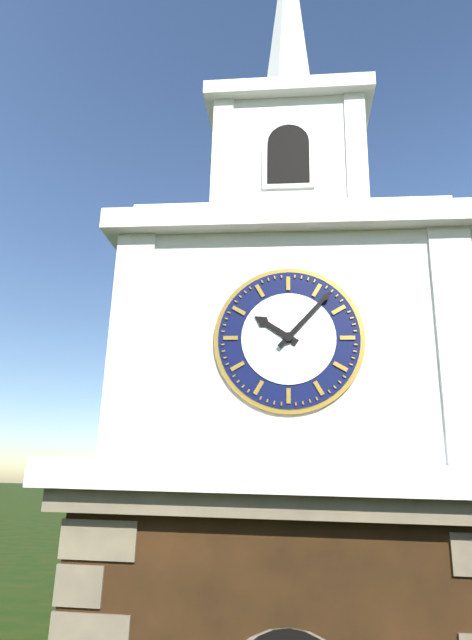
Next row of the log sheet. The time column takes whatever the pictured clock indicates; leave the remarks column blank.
10:07
